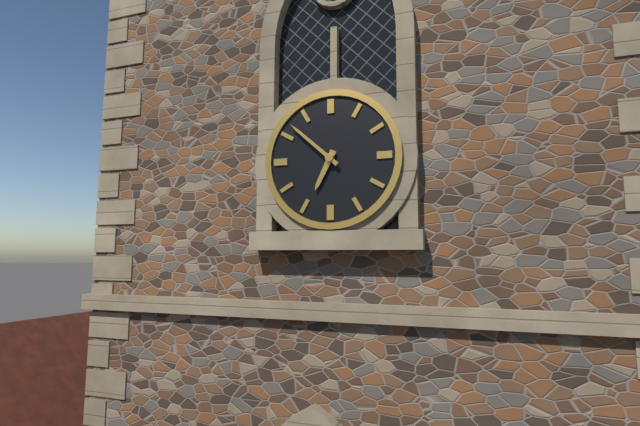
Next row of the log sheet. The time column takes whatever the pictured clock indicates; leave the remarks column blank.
6:52
